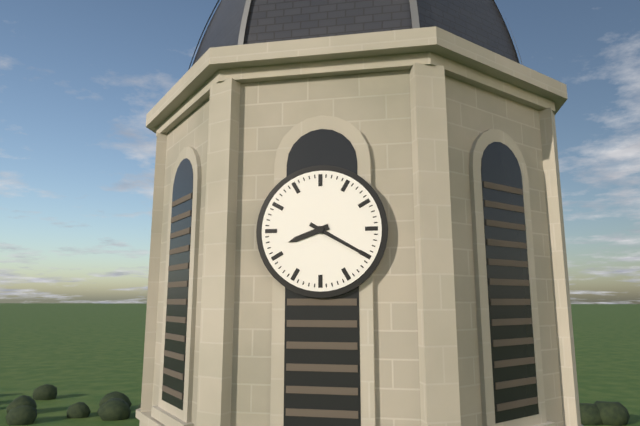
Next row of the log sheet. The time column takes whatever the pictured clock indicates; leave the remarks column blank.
8:20
